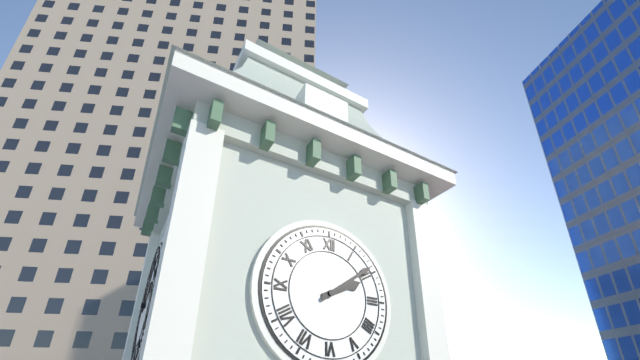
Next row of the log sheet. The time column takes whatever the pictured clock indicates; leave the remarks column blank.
2:09
